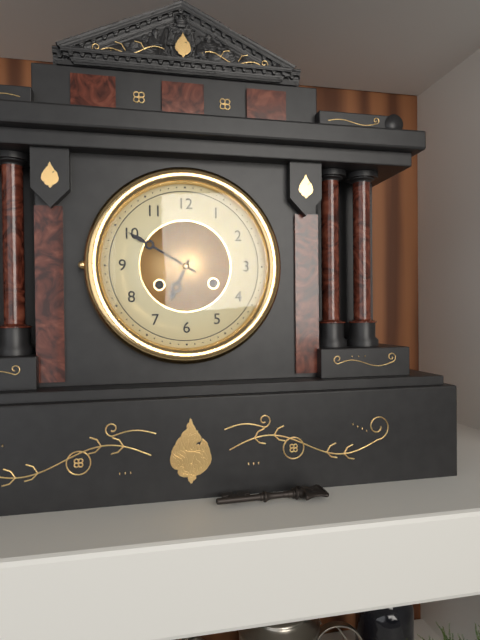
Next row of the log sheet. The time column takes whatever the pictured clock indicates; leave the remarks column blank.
6:50
